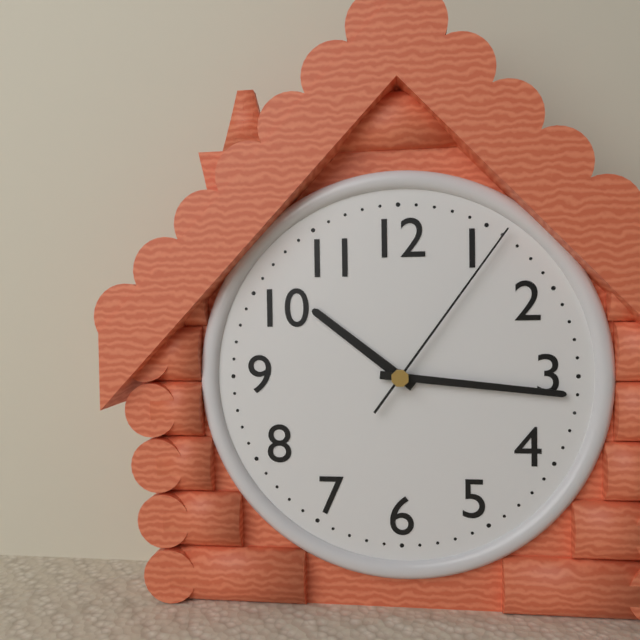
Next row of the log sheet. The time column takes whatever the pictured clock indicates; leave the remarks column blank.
10:16:06
